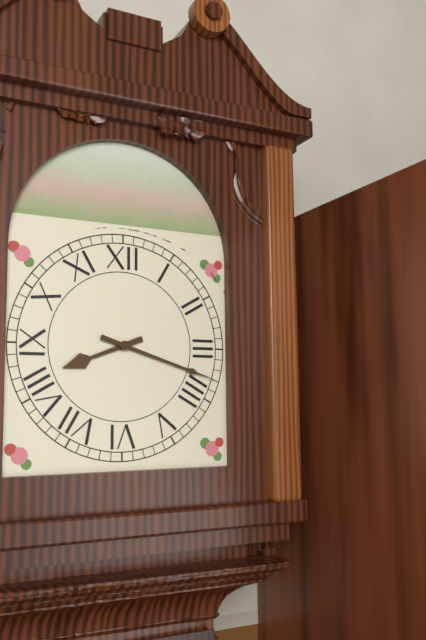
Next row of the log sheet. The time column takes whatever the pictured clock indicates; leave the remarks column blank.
8:18
